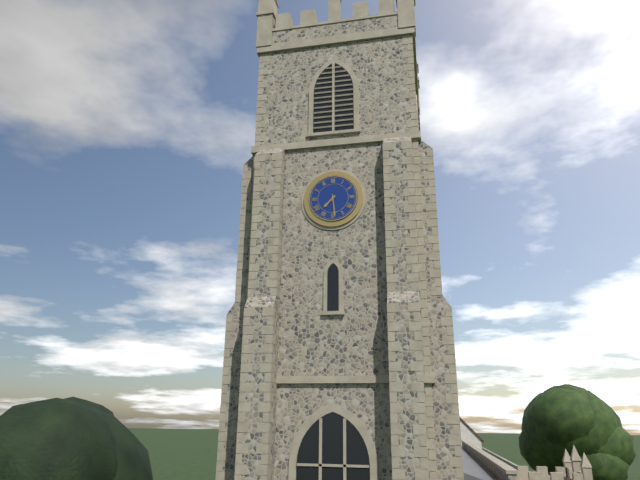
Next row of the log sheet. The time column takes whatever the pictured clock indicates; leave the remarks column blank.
7:29
